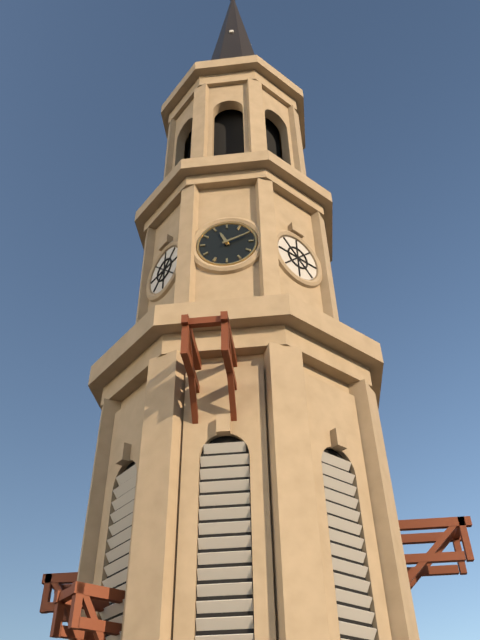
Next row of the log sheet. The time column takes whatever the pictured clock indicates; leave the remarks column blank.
11:11
